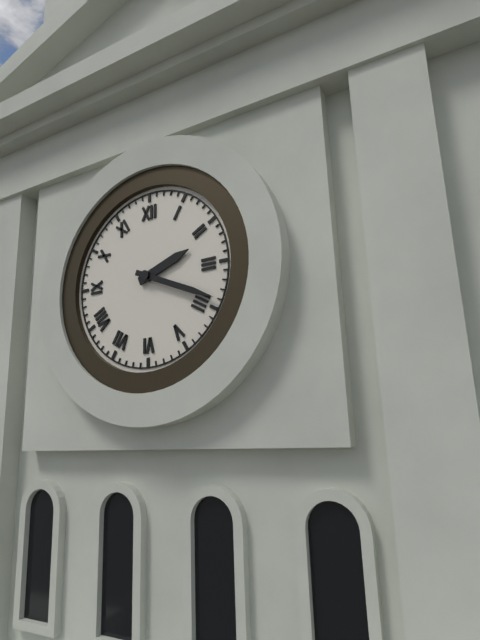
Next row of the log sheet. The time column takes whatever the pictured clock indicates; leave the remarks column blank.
2:19
